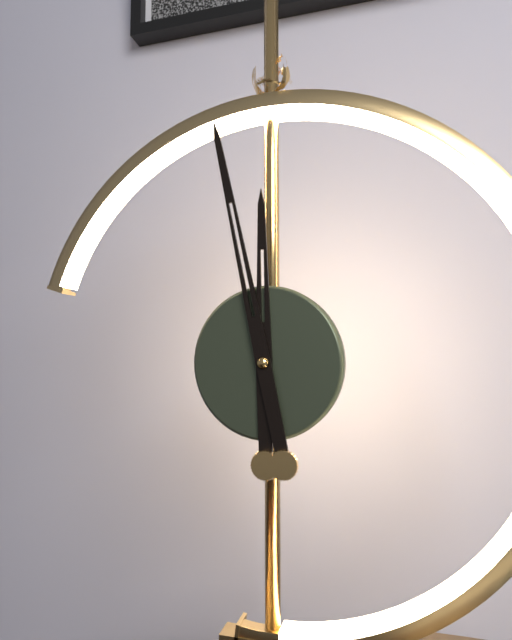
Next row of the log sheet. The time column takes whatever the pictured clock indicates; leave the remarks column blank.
11:58
